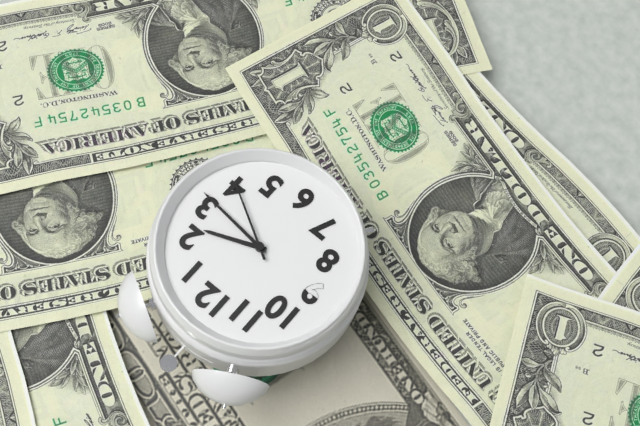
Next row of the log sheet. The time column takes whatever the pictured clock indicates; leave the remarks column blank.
2:16:20
